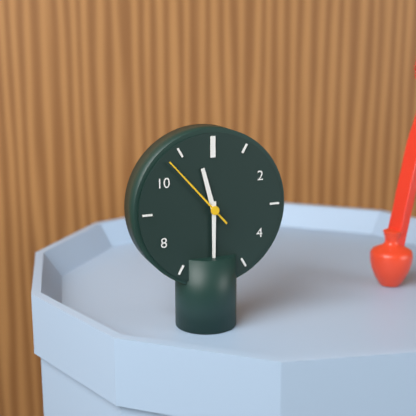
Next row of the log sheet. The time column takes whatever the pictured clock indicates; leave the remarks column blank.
11:30:53
